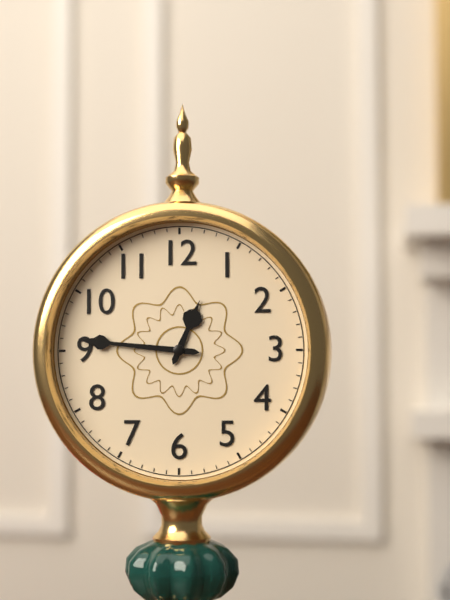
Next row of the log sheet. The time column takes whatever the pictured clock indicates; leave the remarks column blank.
12:46
